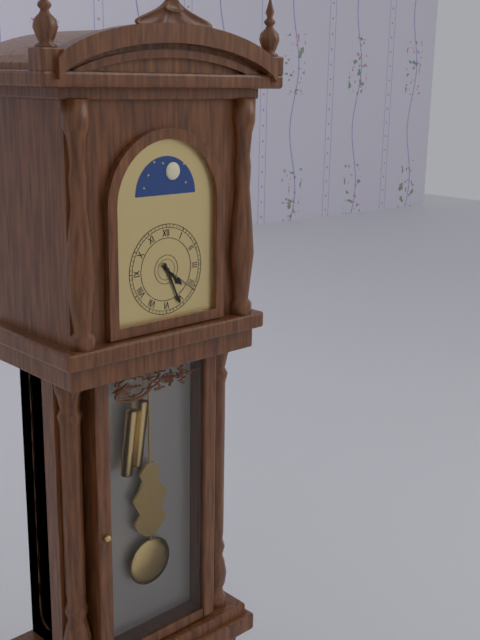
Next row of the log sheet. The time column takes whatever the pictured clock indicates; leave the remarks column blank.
4:26
